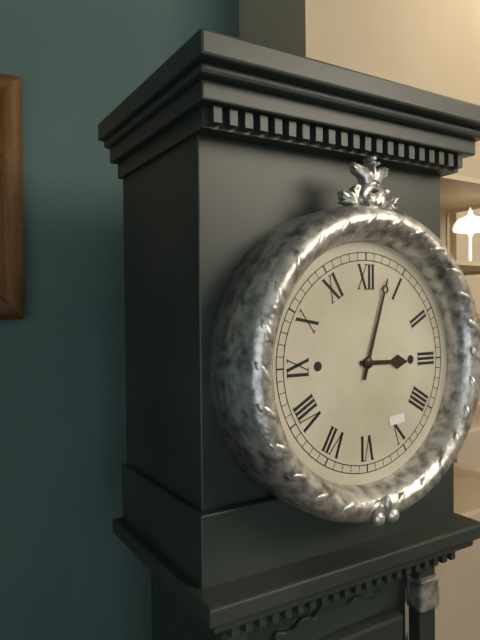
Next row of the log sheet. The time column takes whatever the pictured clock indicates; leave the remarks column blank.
3:03
